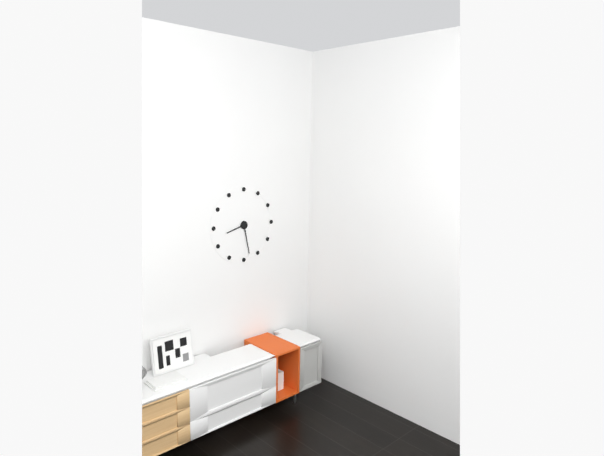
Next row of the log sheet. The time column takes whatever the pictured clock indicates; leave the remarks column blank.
8:28
